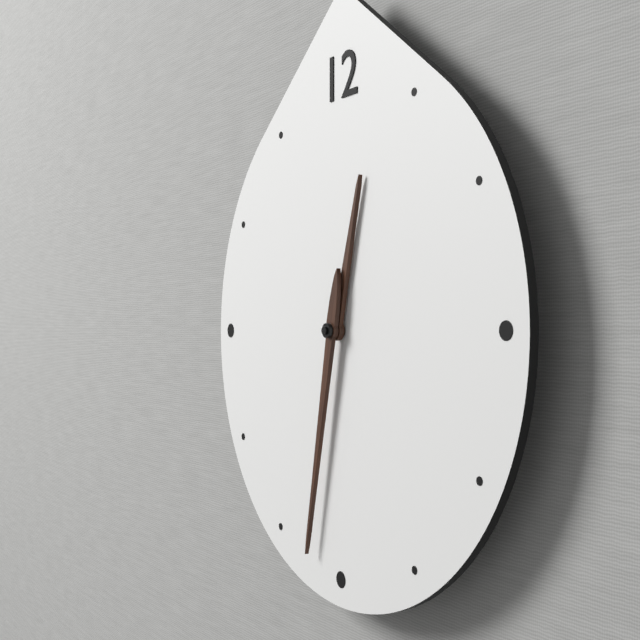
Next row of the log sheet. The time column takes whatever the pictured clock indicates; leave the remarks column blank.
12:32
